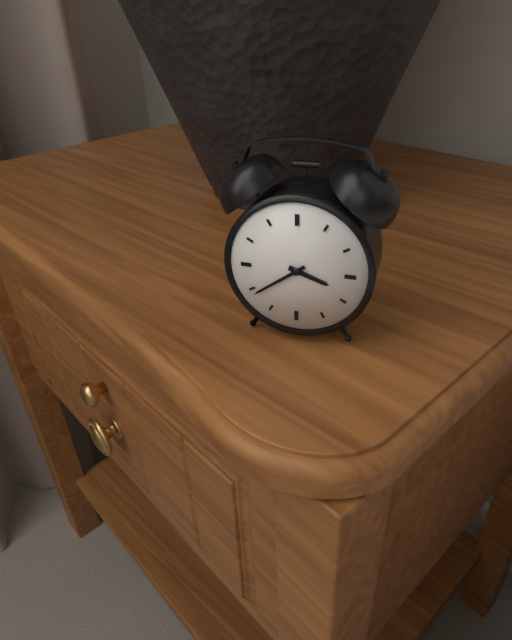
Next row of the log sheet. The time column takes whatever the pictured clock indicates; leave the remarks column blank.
3:39
